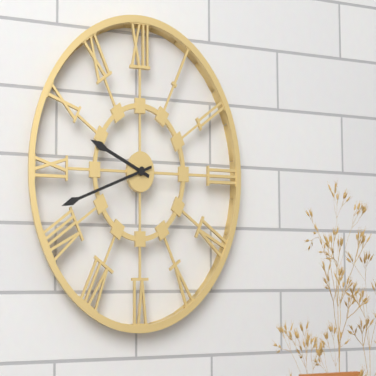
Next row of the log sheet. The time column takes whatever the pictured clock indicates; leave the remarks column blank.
9:42
